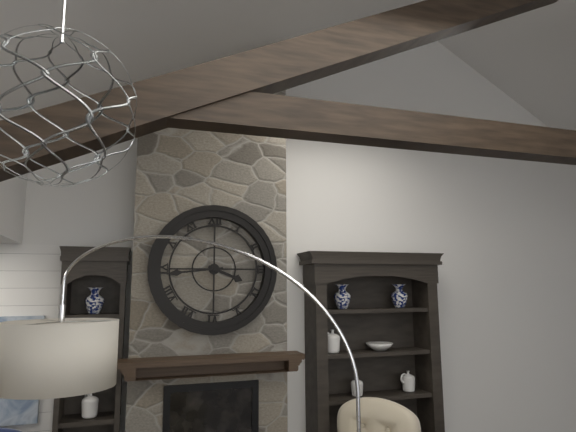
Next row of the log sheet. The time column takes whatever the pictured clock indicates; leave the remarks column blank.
3:44
